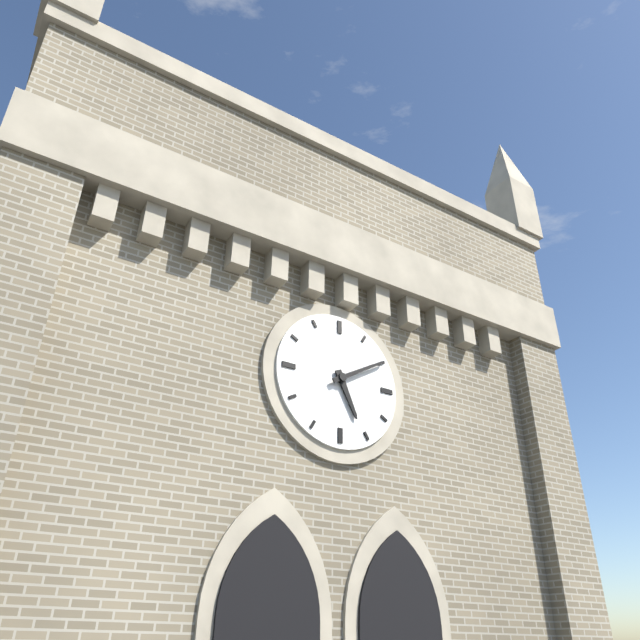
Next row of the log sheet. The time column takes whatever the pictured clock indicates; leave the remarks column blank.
5:10
